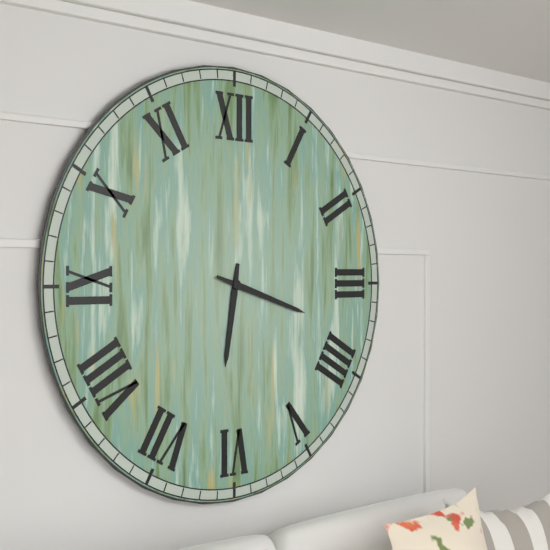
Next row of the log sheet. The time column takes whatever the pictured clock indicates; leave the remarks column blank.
6:18
